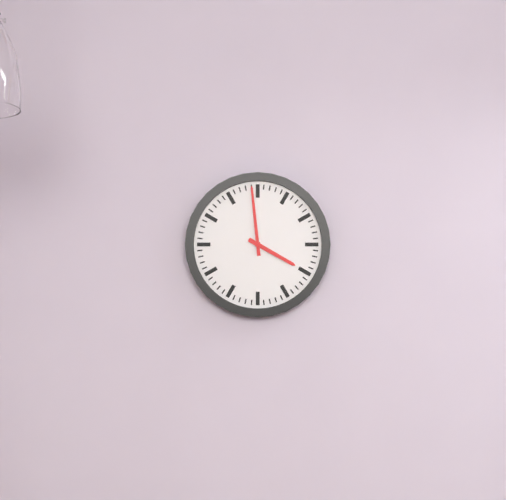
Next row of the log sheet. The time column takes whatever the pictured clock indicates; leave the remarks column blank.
3:59
